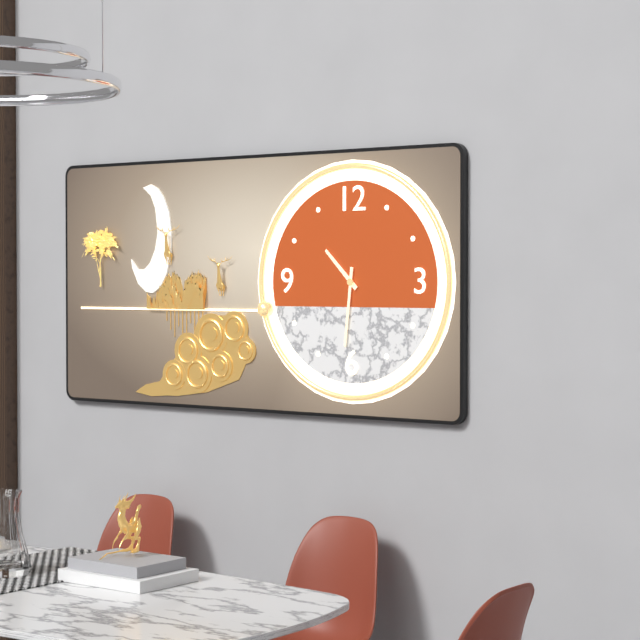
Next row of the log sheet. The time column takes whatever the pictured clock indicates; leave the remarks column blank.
10:31
